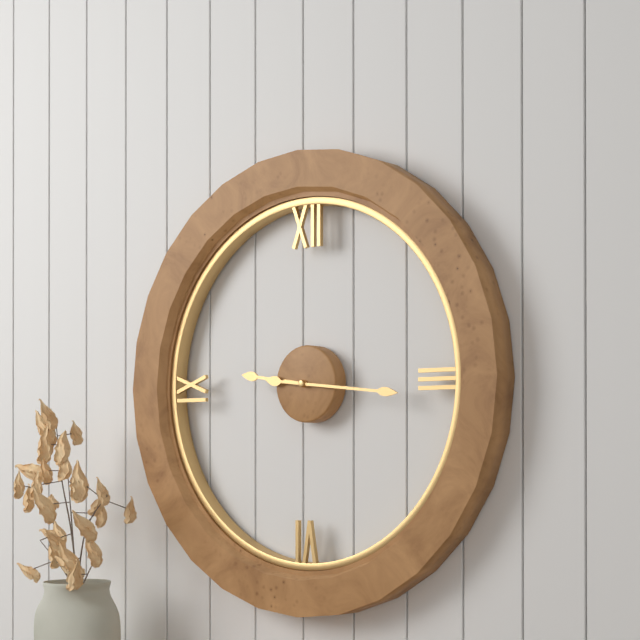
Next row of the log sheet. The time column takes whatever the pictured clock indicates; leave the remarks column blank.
9:16
